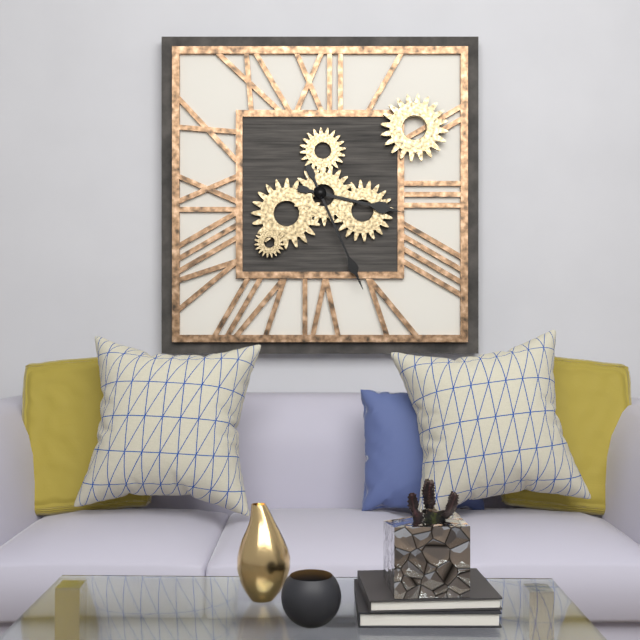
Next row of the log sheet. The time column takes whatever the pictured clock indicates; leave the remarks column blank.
3:26
